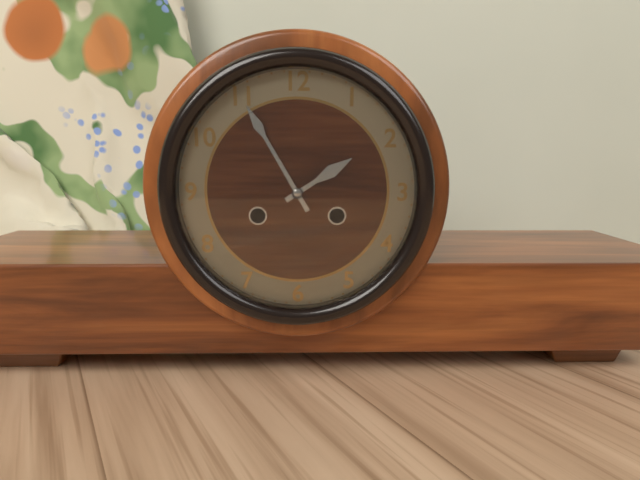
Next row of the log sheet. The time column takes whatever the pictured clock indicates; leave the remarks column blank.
1:55
